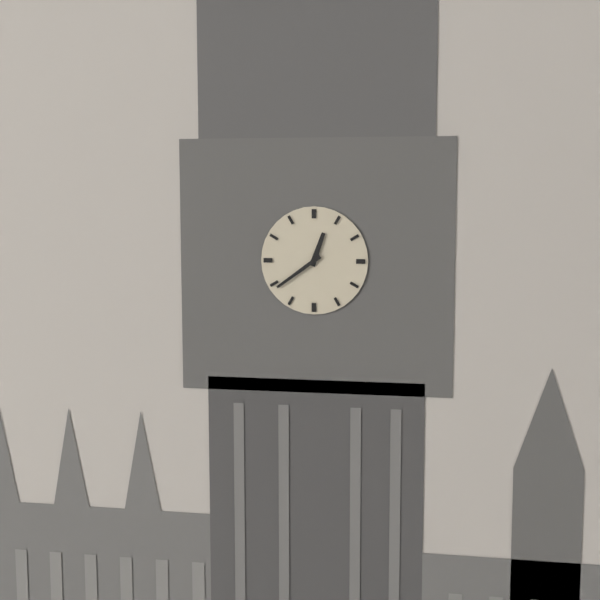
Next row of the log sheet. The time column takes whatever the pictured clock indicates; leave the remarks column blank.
12:39
